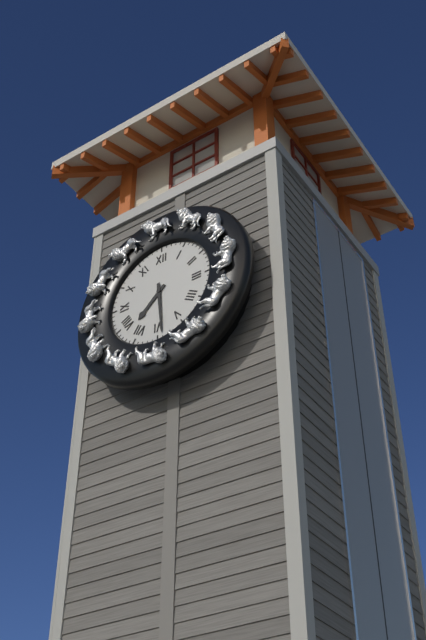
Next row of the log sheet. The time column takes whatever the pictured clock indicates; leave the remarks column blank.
7:29
